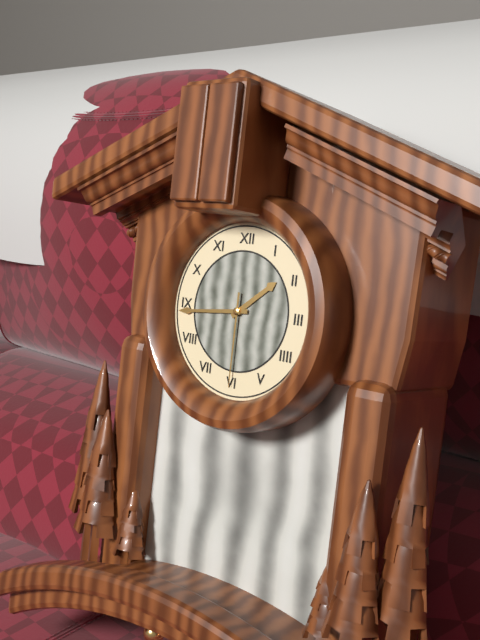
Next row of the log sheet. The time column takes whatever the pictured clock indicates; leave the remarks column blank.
1:44:30
